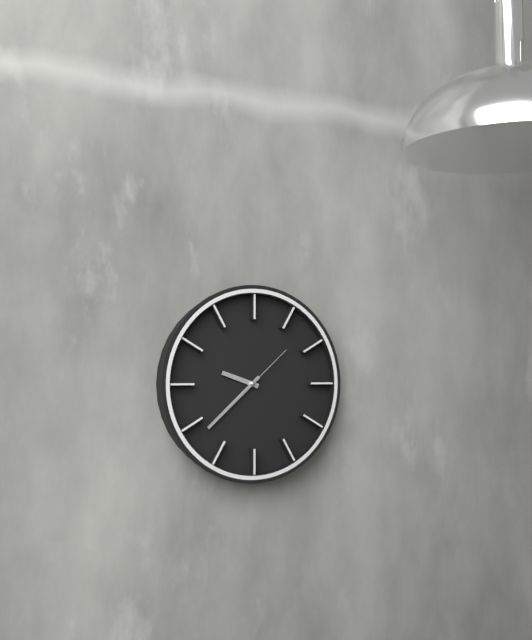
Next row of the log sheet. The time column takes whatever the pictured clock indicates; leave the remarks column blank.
9:38:08
